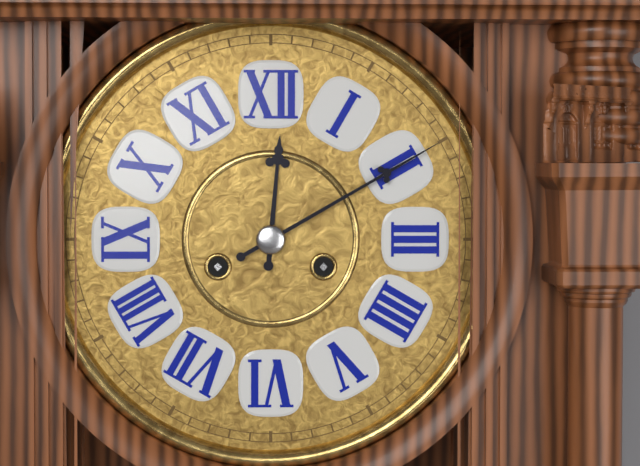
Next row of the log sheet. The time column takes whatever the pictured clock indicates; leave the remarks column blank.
12:10
